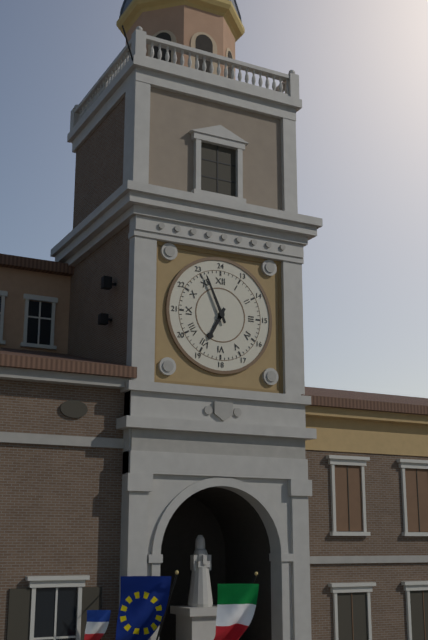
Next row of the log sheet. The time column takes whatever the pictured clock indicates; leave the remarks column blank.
6:56
